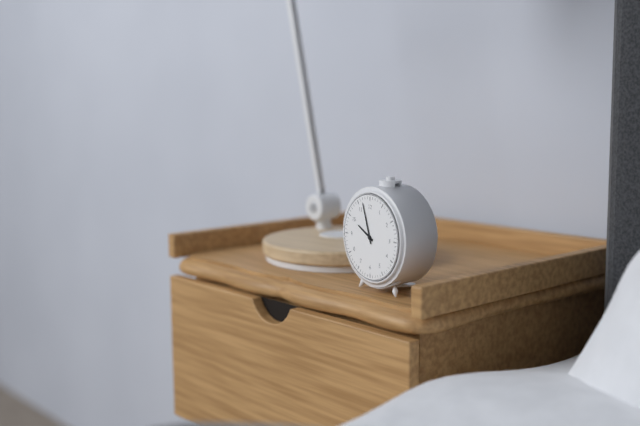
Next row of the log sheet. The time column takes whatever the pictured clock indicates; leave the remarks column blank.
9:57
